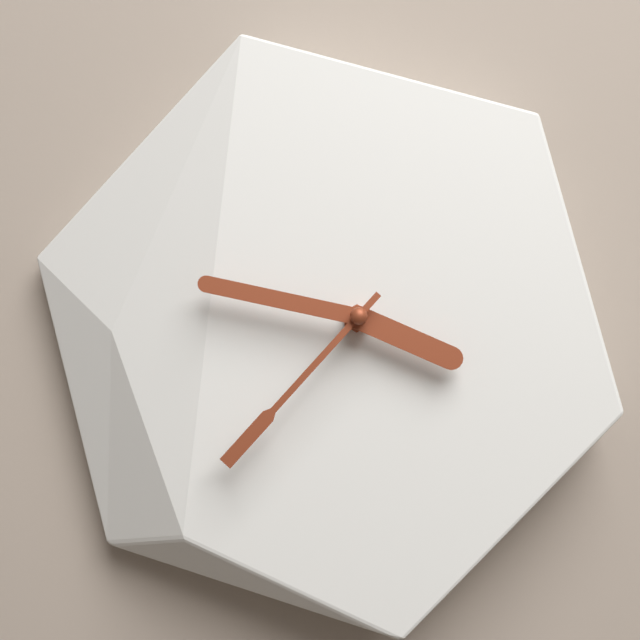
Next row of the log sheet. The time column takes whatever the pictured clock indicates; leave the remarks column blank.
3:47:37
